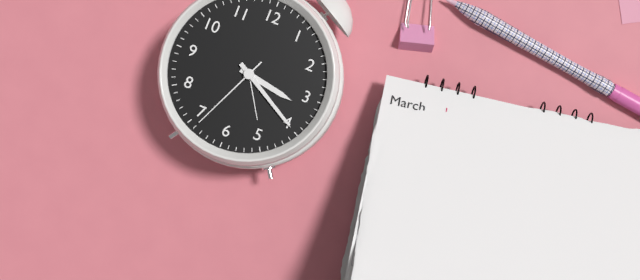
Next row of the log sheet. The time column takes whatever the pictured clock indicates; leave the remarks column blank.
3:20:34
